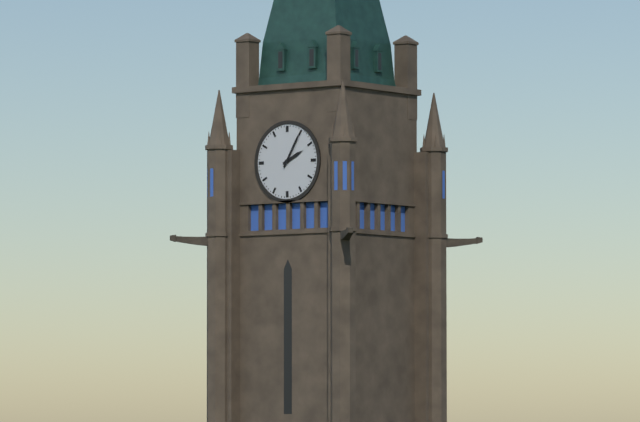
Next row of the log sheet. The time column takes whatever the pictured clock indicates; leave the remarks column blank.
2:05
